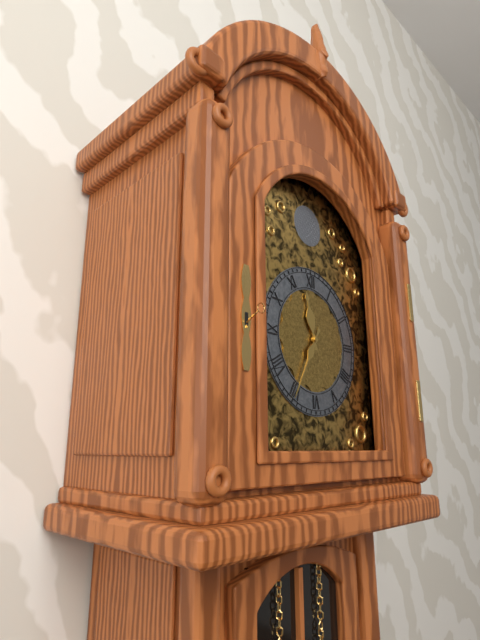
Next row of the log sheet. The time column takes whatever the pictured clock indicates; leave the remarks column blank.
11:35
